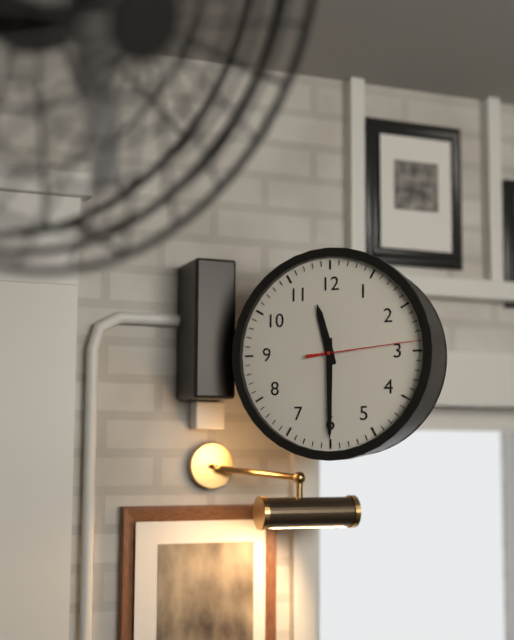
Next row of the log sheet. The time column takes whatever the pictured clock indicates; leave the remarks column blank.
11:30:14
